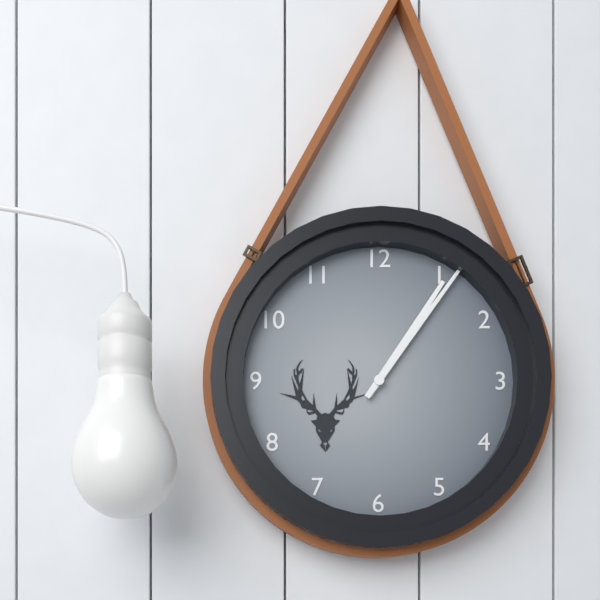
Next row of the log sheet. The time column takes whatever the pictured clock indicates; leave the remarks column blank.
1:06
